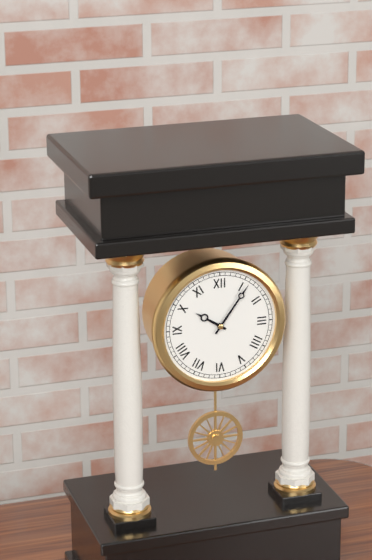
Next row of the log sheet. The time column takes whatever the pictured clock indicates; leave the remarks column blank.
10:06
